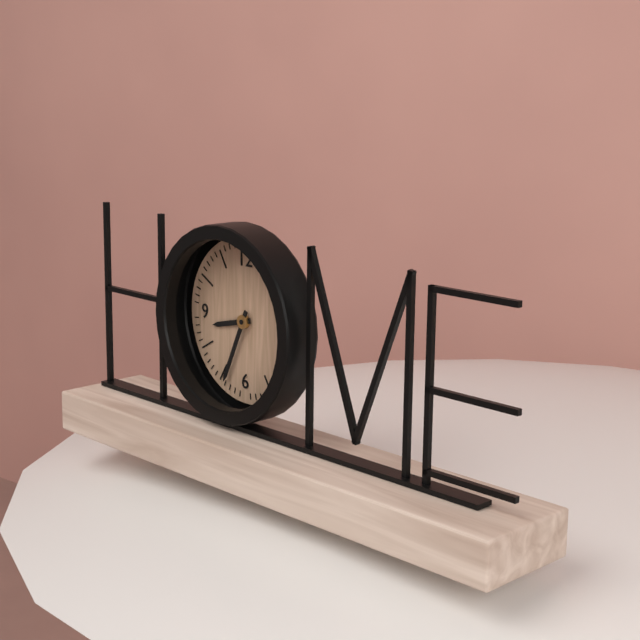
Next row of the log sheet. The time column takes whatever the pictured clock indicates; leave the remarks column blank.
8:34
